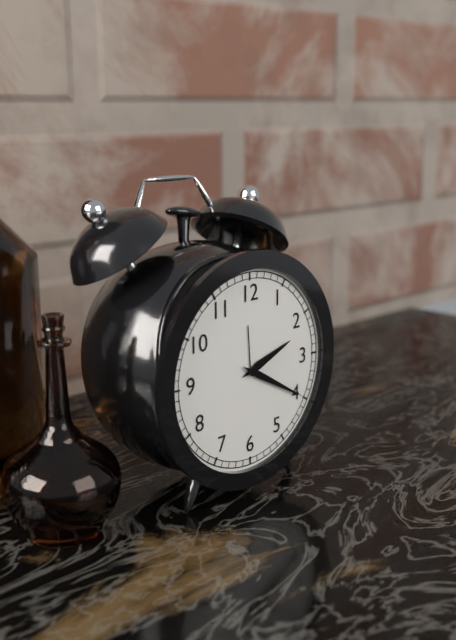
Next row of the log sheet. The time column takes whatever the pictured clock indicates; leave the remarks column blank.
2:20
